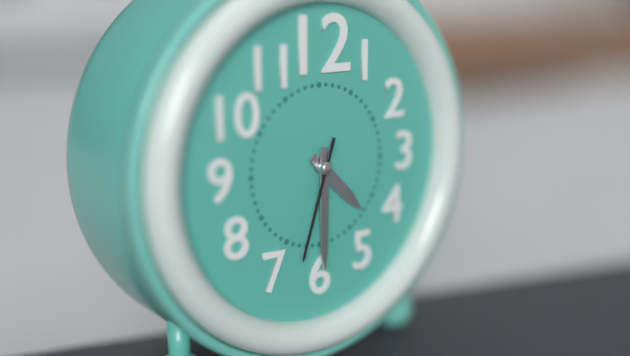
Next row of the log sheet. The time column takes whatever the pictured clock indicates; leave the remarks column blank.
4:30:33
